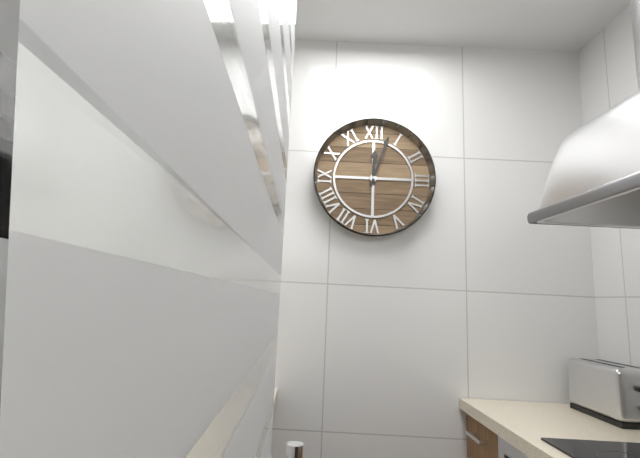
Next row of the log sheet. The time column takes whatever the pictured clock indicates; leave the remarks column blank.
12:03
